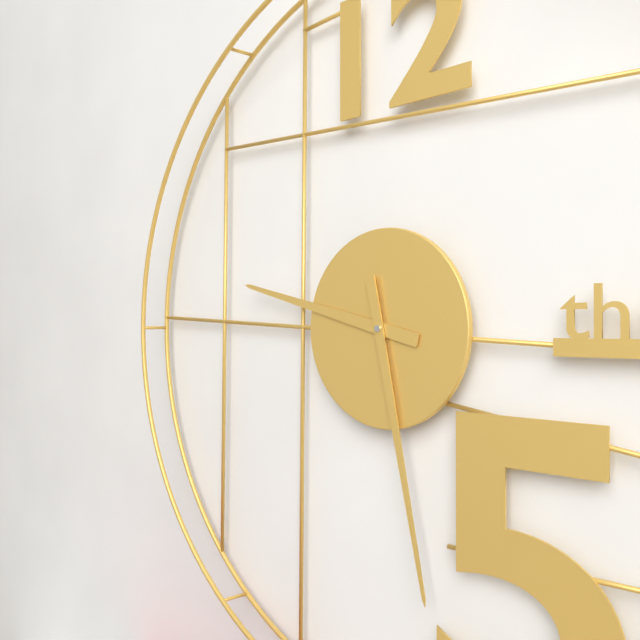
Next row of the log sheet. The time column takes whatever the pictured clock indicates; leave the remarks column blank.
9:28
